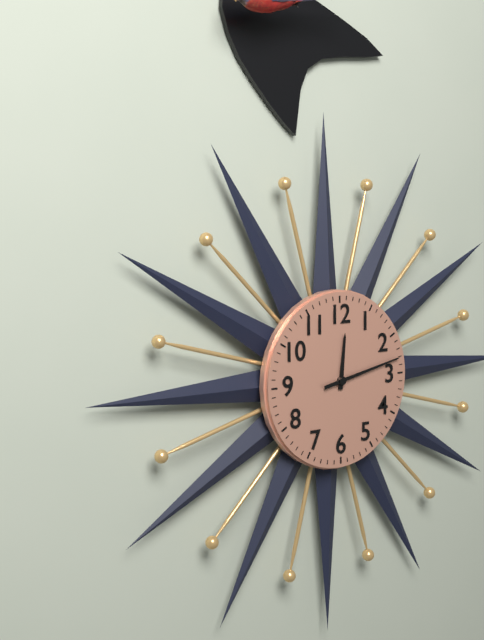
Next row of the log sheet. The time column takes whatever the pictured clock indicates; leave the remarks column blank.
12:13
